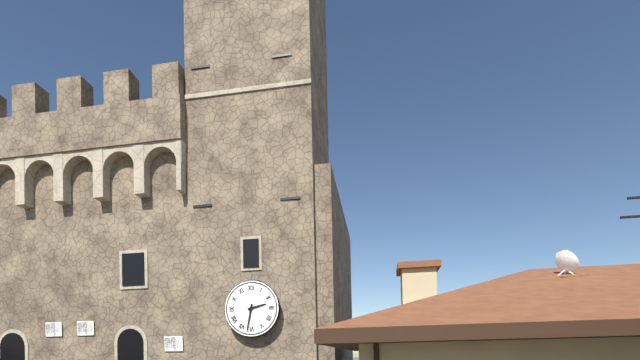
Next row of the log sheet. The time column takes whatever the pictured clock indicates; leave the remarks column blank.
2:32
